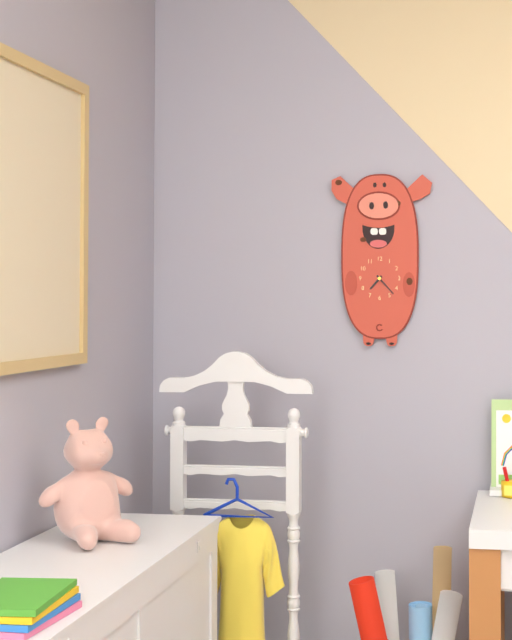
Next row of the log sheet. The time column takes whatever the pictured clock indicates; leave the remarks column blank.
7:23
